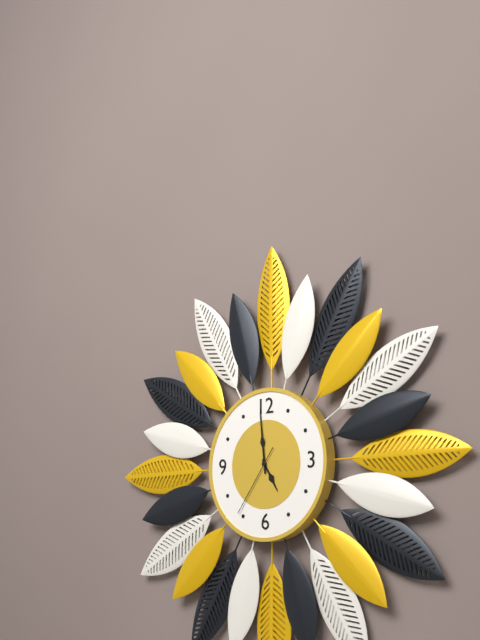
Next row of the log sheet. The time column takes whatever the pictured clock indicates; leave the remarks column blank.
4:59:36
